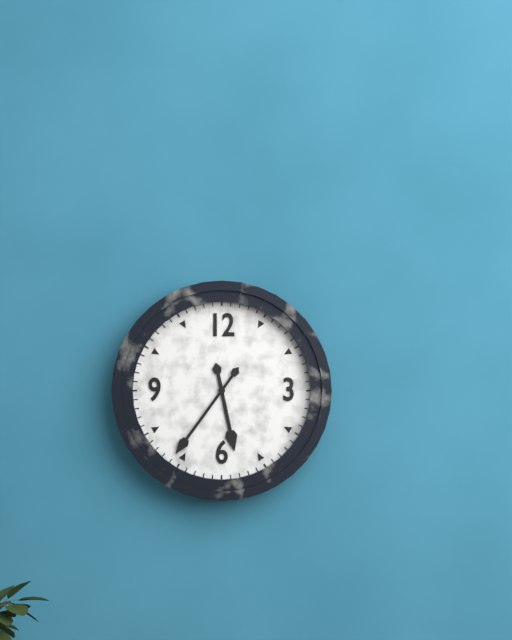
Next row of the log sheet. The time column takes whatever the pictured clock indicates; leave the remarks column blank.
5:36
